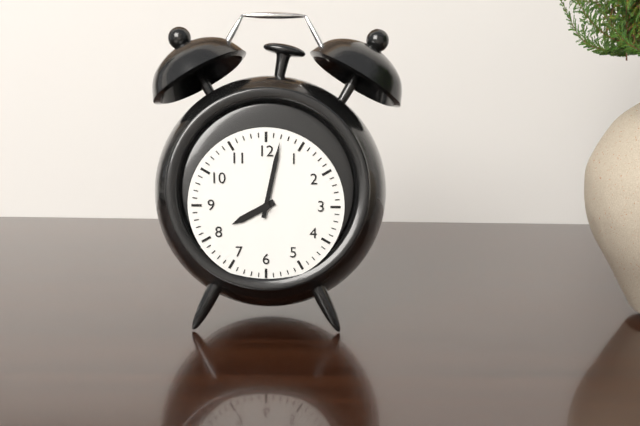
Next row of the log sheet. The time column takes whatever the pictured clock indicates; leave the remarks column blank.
8:02
